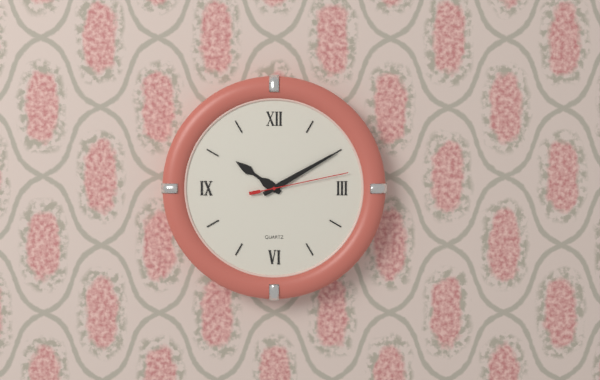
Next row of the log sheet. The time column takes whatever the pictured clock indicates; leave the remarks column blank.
10:10:13
